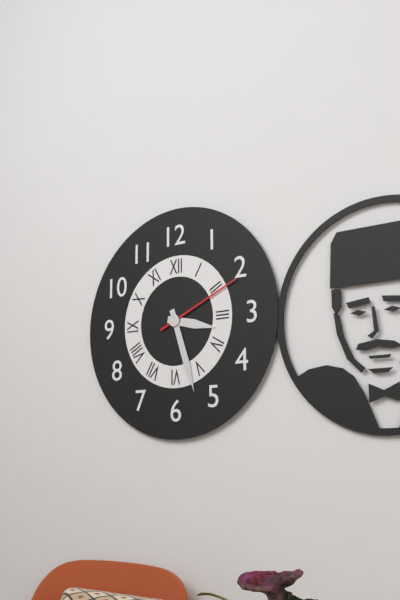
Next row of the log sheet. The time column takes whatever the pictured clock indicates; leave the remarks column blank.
3:27:11
